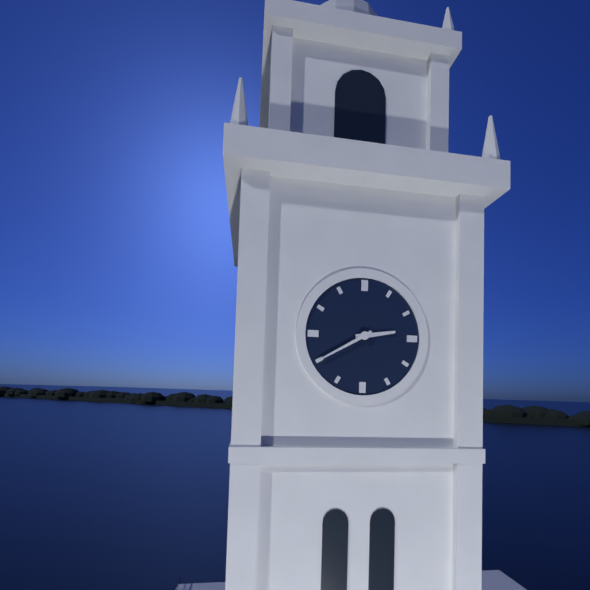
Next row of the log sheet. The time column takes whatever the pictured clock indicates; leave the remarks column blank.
2:40
